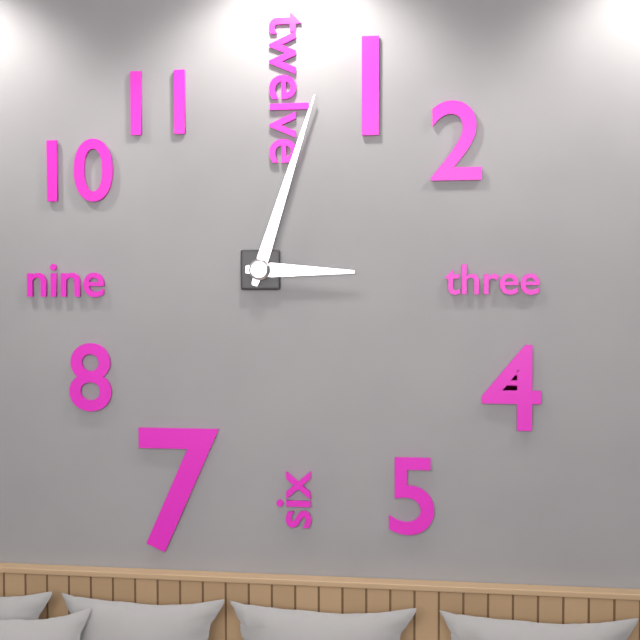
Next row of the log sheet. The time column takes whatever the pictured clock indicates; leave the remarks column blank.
3:03
